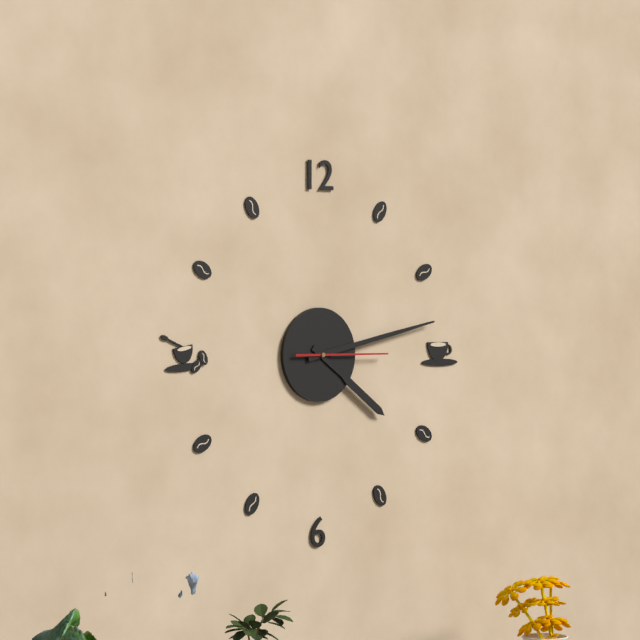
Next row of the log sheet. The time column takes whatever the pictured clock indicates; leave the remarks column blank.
4:13:15
